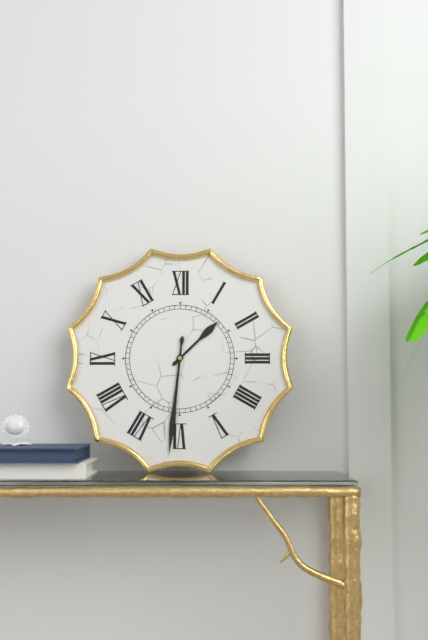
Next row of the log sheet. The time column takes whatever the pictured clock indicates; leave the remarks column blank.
1:31
